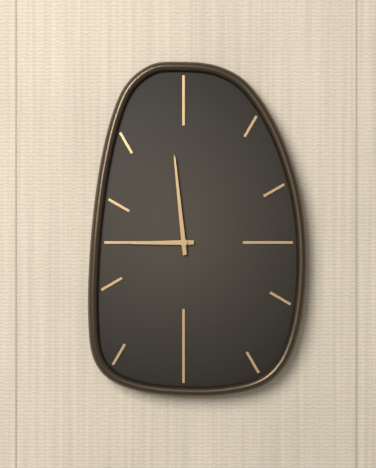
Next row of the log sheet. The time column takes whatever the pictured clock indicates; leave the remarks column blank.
8:59
